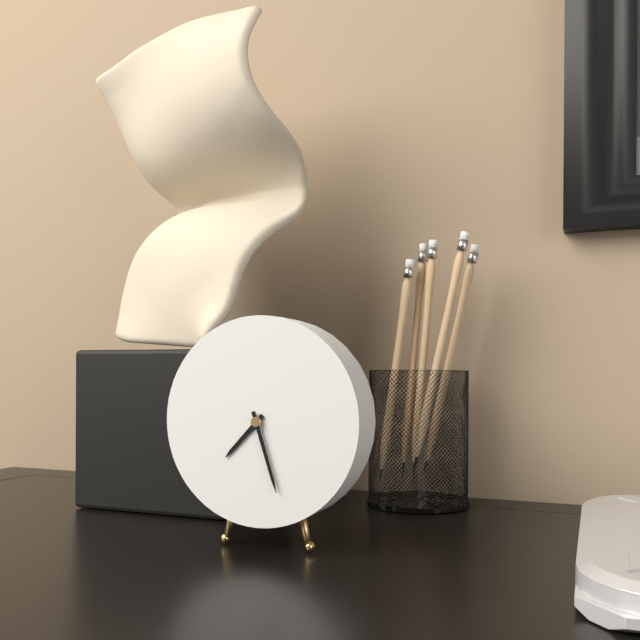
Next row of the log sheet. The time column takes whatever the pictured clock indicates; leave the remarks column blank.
7:27
